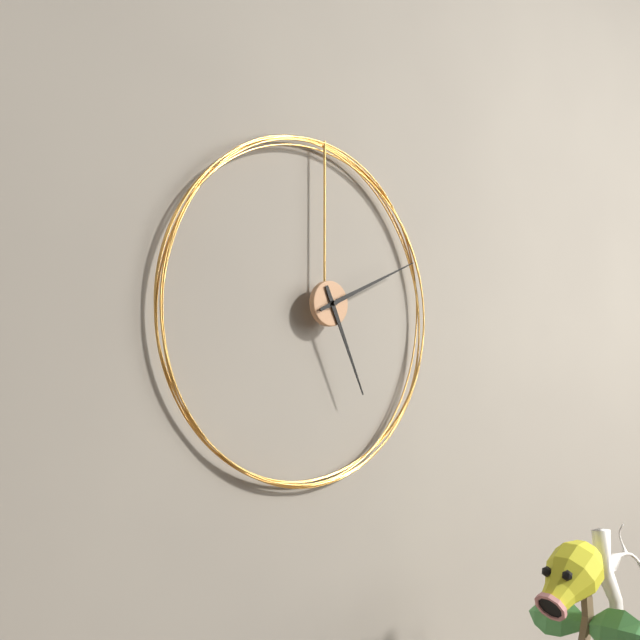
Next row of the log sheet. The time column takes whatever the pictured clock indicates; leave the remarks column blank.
5:11
